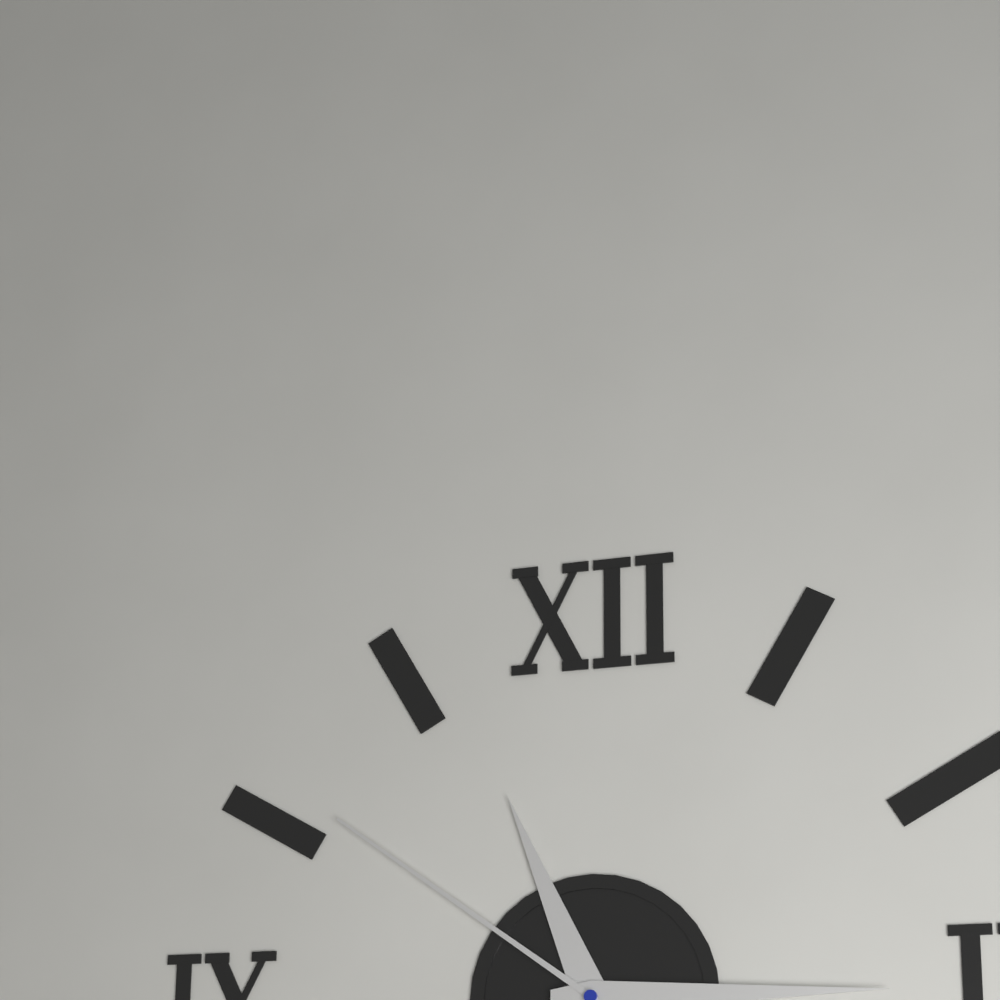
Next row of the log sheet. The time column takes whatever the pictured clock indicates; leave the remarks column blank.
11:15:51
